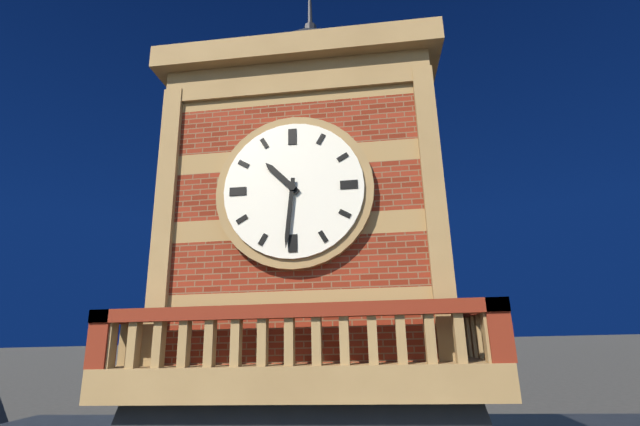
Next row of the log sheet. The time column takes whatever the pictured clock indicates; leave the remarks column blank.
10:31
